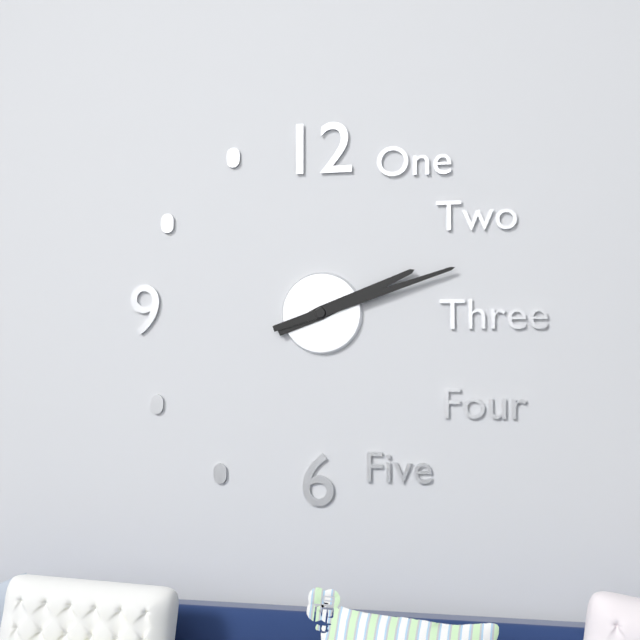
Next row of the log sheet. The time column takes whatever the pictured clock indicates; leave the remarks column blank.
2:12
